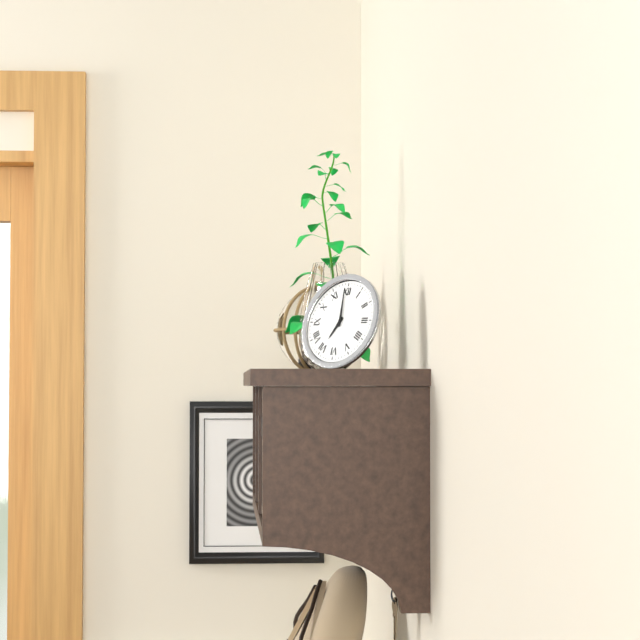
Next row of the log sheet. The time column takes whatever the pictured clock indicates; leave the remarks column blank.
6:59
